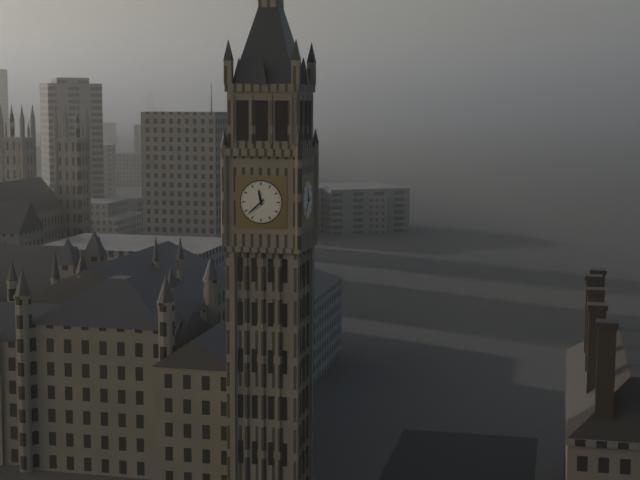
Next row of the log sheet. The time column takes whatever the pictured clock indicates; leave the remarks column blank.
11:38
